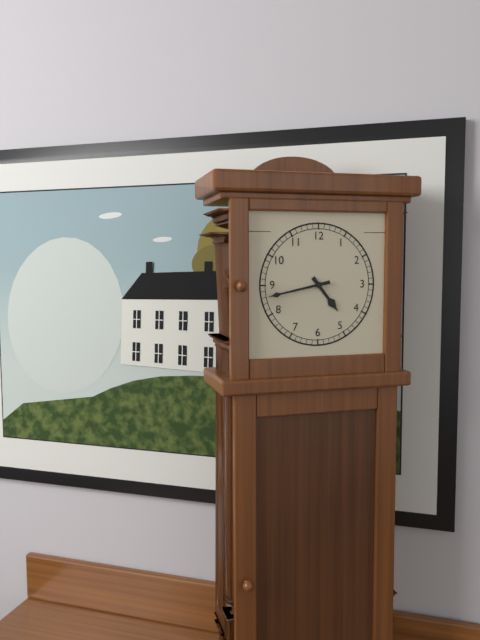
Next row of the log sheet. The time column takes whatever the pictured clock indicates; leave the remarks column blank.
4:43
